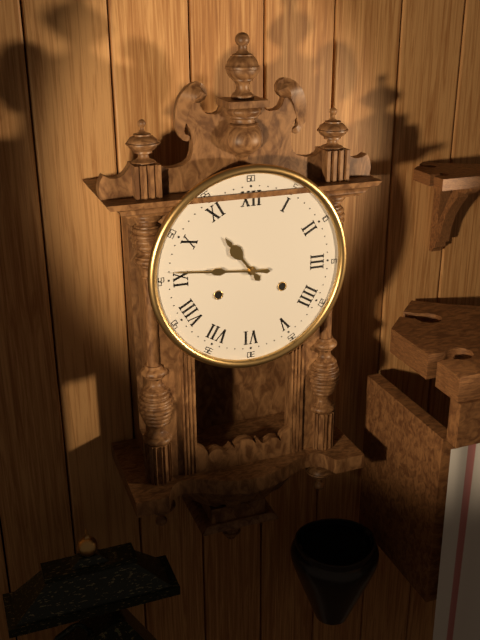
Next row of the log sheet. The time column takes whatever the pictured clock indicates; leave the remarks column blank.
10:46
